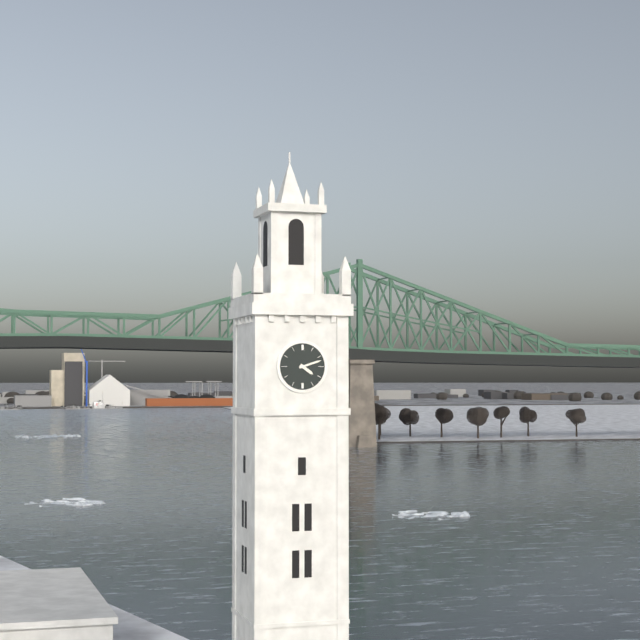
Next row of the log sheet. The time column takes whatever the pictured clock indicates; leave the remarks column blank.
4:12
